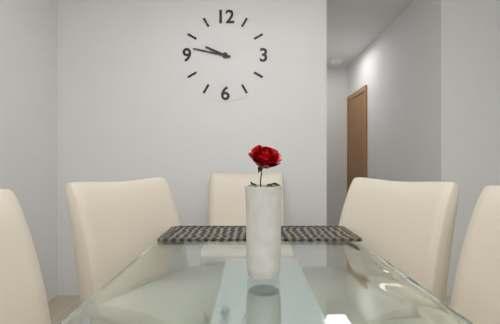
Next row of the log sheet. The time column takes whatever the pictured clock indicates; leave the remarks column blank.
9:47
